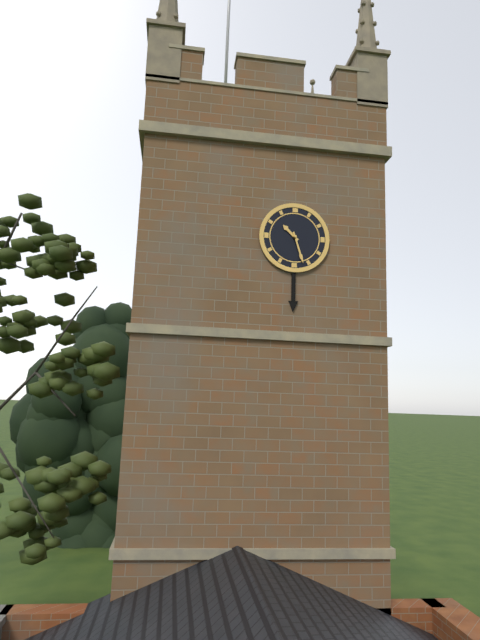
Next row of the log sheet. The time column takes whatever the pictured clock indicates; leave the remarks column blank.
10:27
